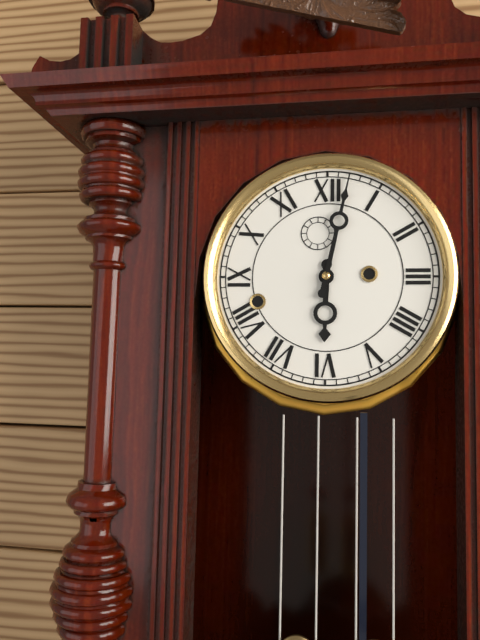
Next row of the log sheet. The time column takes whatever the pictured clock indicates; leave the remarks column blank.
6:02
